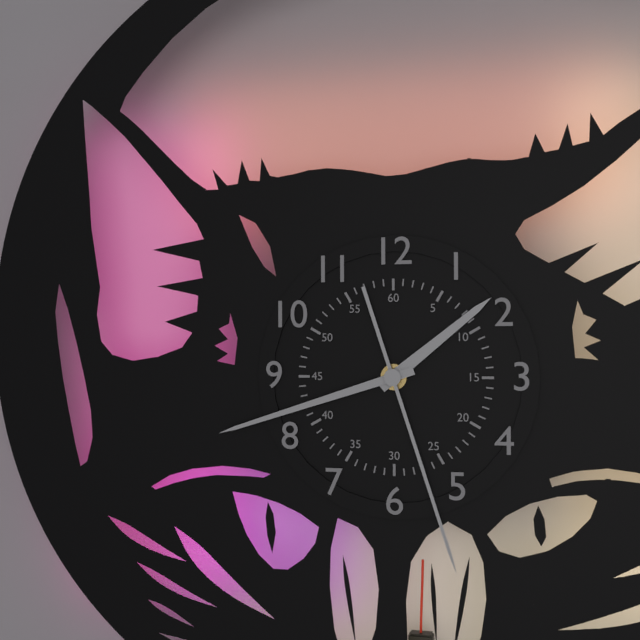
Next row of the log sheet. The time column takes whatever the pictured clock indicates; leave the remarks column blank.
1:42:27
